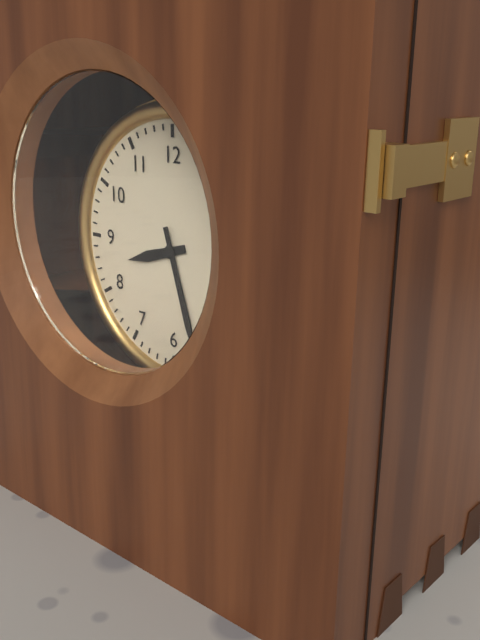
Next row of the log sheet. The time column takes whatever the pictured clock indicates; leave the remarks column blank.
8:27
